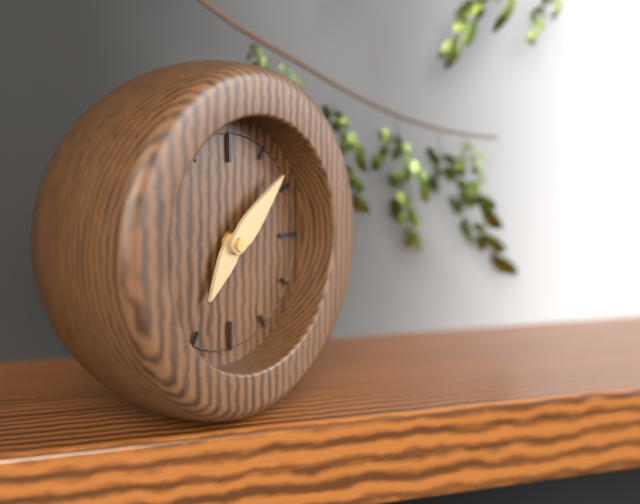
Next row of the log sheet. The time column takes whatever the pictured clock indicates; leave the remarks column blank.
7:08
